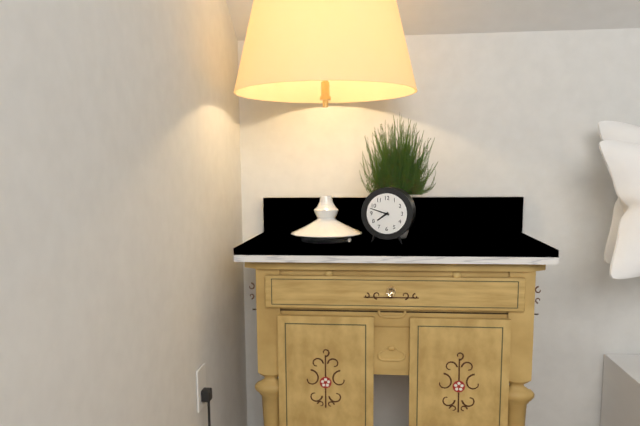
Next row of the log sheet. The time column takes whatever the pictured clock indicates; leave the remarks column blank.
7:48
